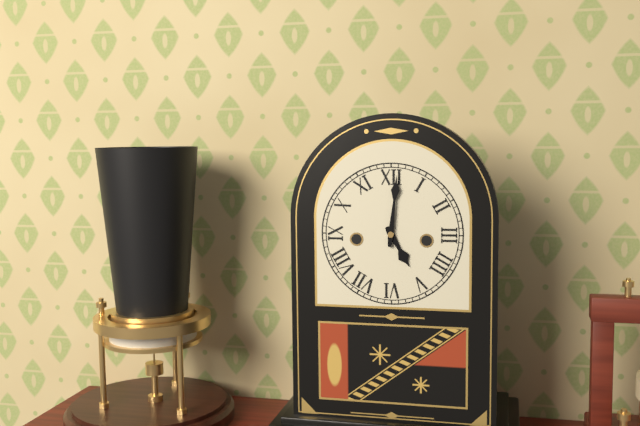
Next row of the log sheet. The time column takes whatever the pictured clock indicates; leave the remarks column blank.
5:01
